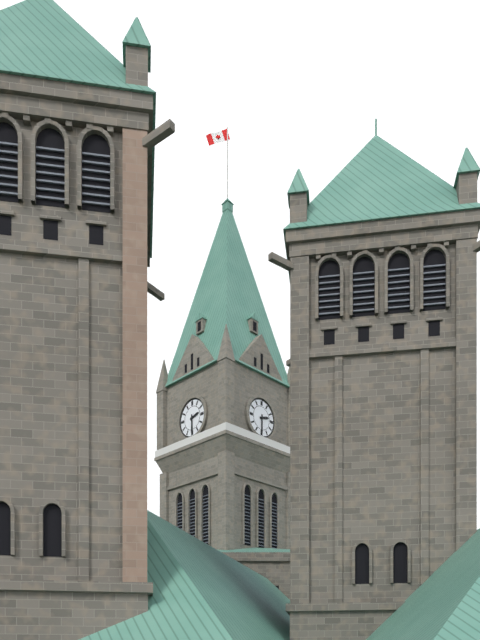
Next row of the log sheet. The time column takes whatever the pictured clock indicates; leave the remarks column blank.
2:30
